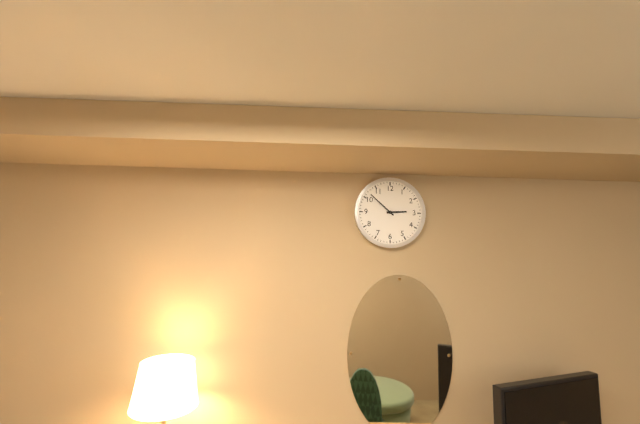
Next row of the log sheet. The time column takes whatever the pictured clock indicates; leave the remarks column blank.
2:52
